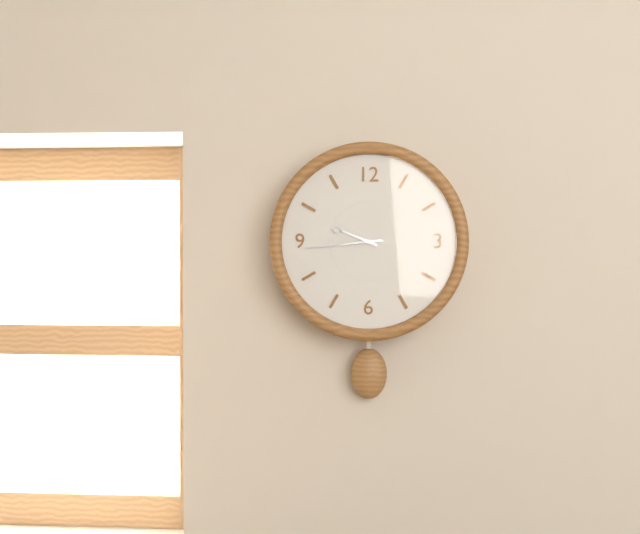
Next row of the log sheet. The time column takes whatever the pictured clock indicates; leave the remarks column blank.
9:44
